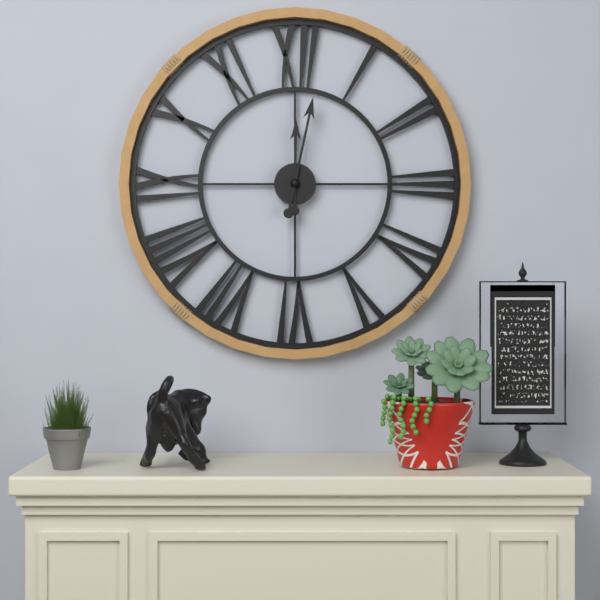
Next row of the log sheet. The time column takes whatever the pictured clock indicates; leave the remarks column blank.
12:02
